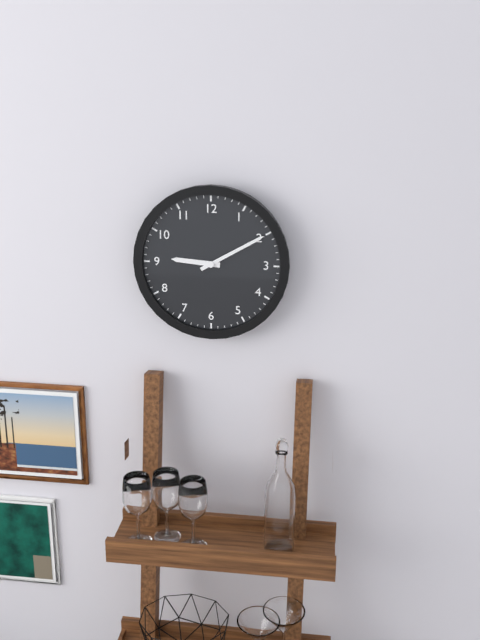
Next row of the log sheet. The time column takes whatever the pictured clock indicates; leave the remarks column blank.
9:10
